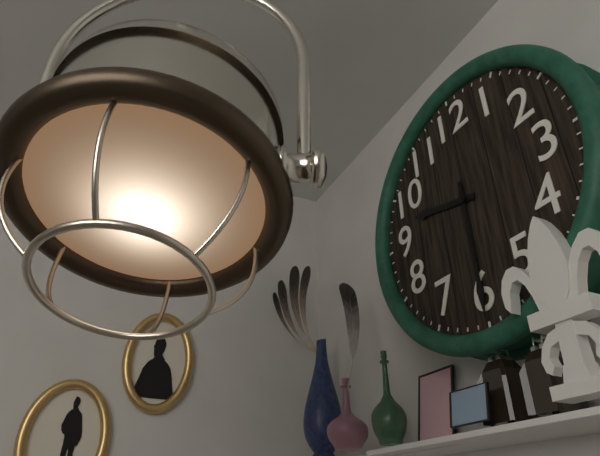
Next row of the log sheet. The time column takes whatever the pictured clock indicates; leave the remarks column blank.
9:30
